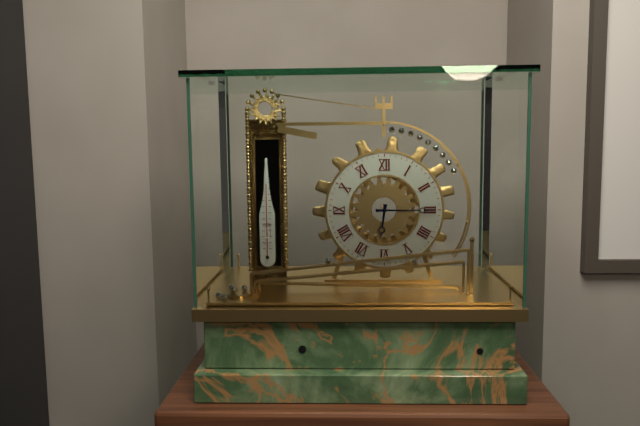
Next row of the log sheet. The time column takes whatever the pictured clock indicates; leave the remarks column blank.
6:15
